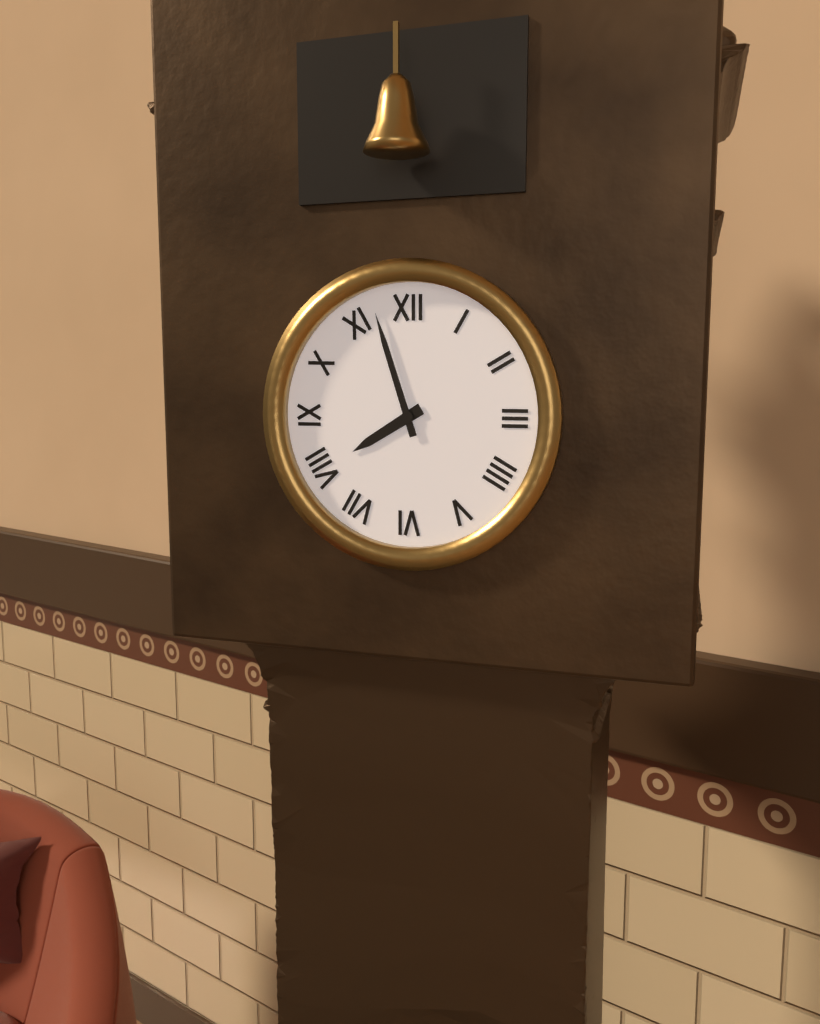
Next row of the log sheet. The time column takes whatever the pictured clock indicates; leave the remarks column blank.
7:57
